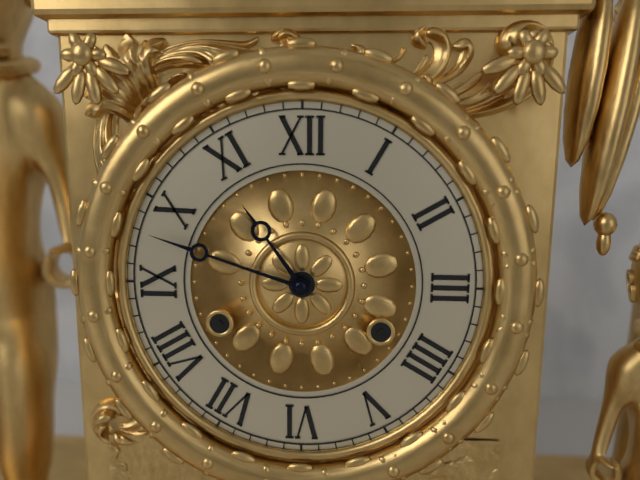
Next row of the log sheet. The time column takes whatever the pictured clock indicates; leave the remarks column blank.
10:48
